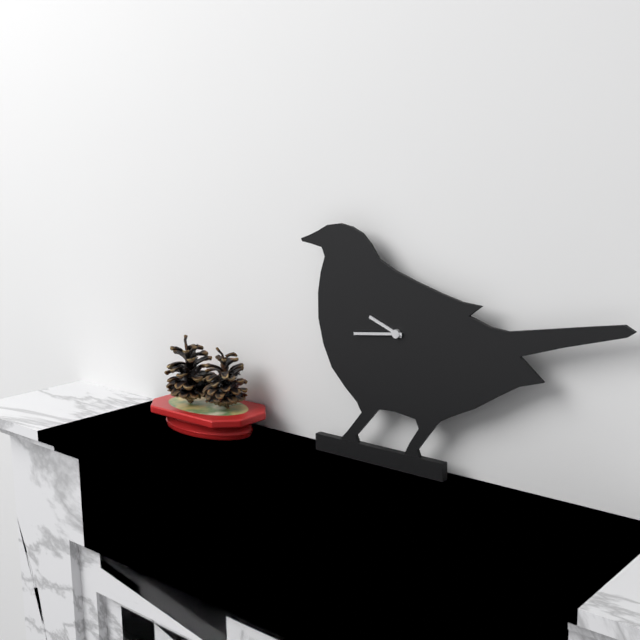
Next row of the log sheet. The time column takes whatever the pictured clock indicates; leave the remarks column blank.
9:44
